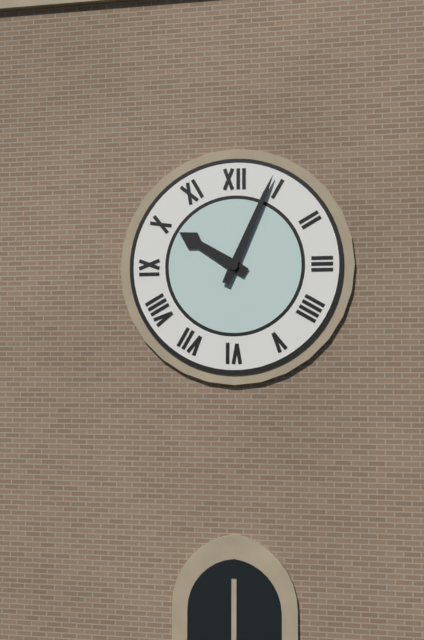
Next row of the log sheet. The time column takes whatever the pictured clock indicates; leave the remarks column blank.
10:04
